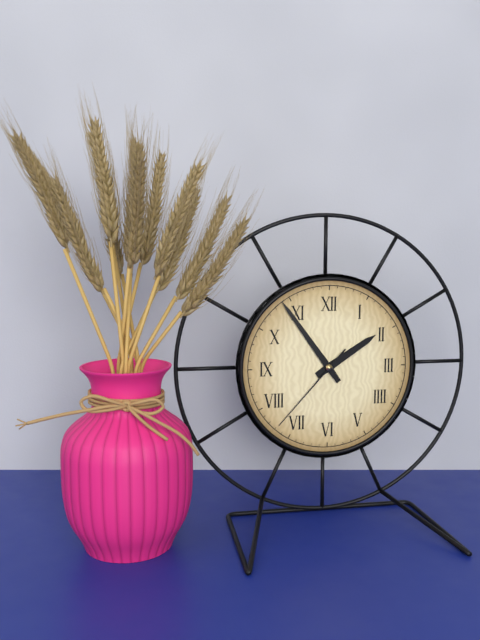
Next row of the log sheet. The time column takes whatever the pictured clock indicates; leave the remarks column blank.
1:54:37
